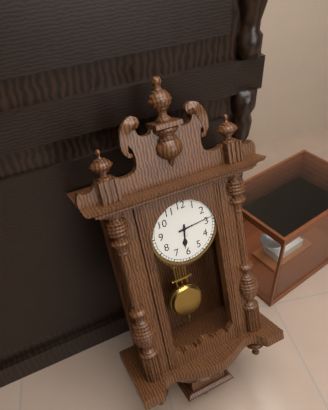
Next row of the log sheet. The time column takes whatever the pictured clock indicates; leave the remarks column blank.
6:14
